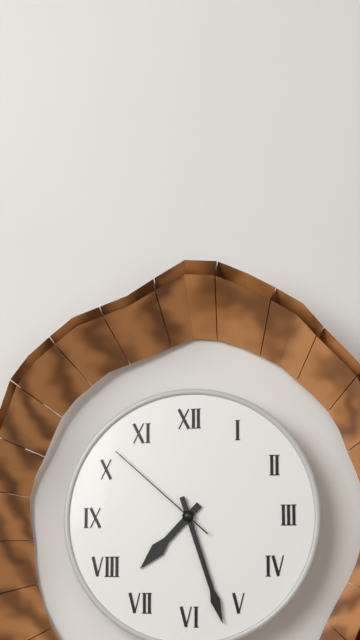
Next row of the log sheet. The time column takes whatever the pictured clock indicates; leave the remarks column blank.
7:27:52
